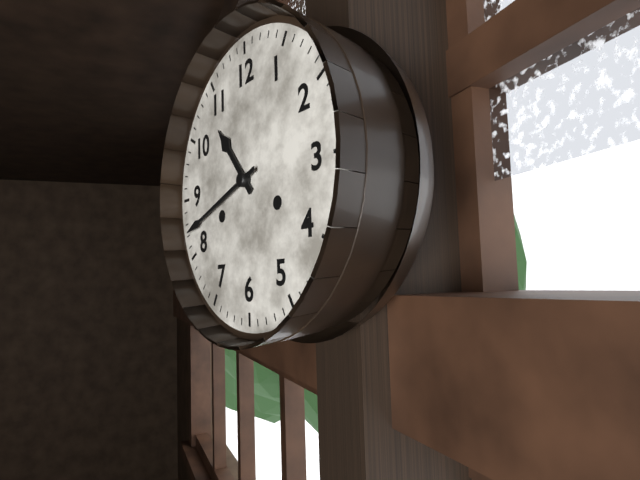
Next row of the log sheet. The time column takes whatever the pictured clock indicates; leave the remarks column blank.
10:42
